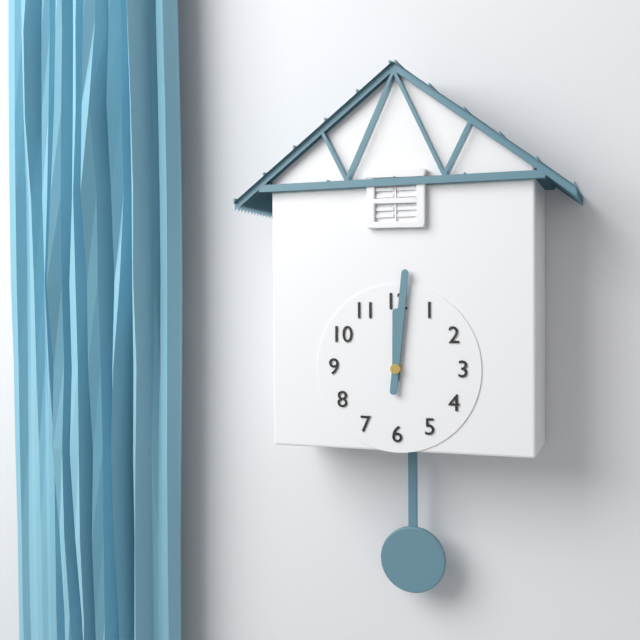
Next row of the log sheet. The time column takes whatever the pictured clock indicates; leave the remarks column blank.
12:01
